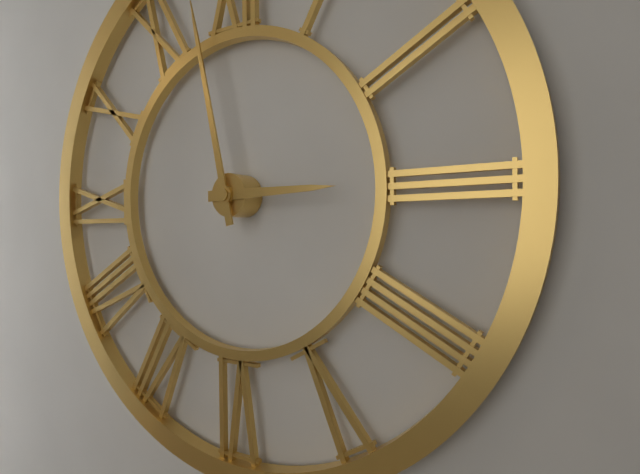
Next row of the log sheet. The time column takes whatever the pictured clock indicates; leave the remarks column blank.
2:58
